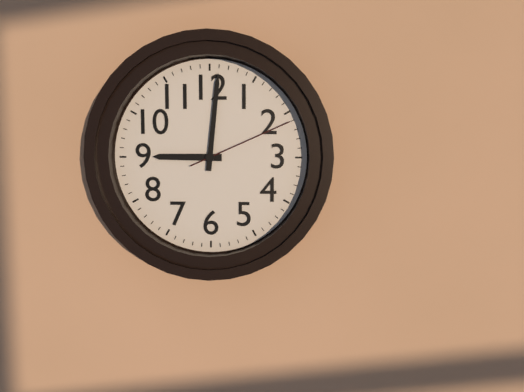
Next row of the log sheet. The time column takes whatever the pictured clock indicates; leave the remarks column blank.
9:01:11
